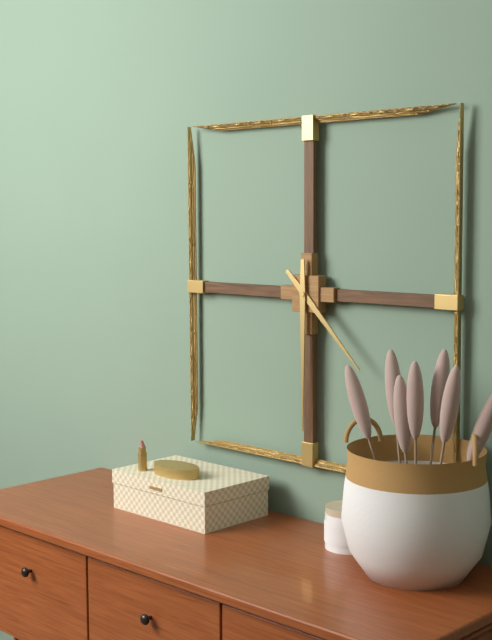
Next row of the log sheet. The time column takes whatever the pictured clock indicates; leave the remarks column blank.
4:30
